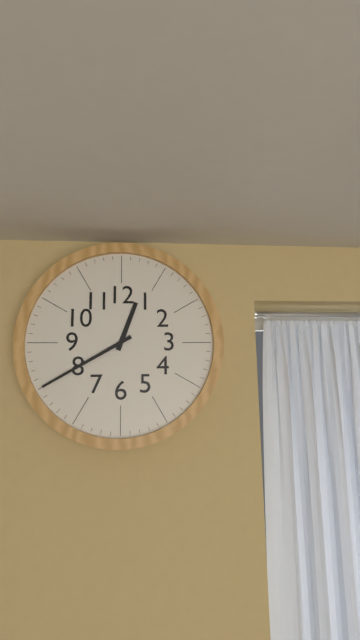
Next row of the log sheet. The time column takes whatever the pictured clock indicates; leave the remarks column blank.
12:40
